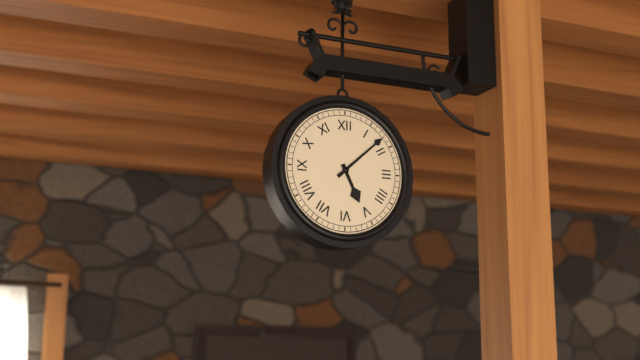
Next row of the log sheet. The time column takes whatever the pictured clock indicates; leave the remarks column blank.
5:08
